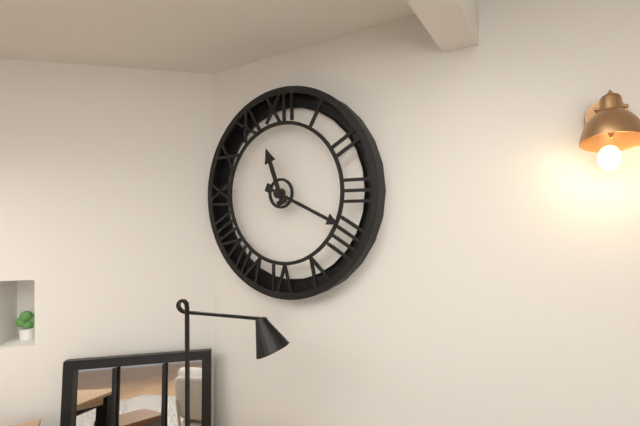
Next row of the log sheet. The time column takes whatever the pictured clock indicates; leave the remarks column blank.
11:19
